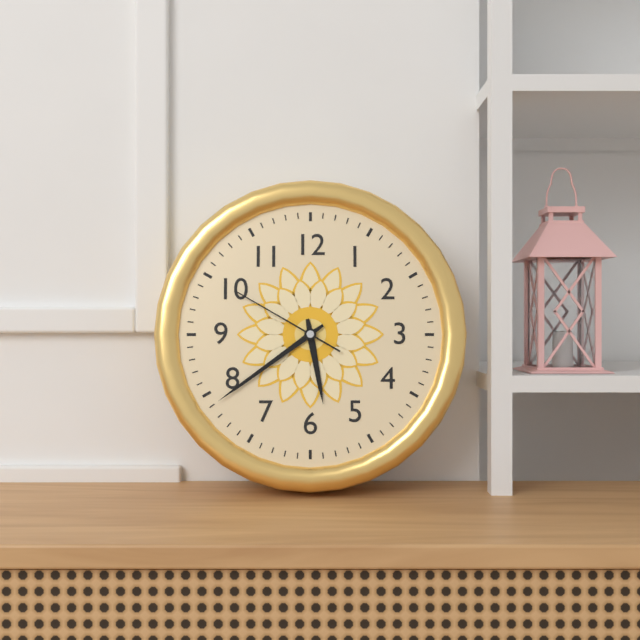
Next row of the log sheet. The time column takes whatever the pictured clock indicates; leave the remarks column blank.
5:39:50
